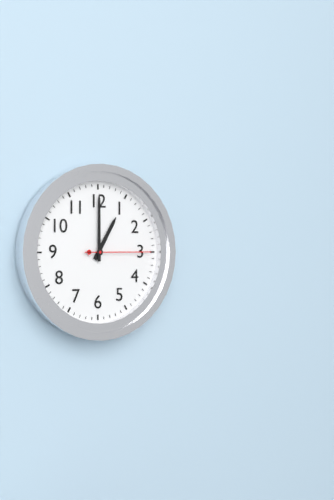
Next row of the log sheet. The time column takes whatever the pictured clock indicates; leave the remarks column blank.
1:00:15
